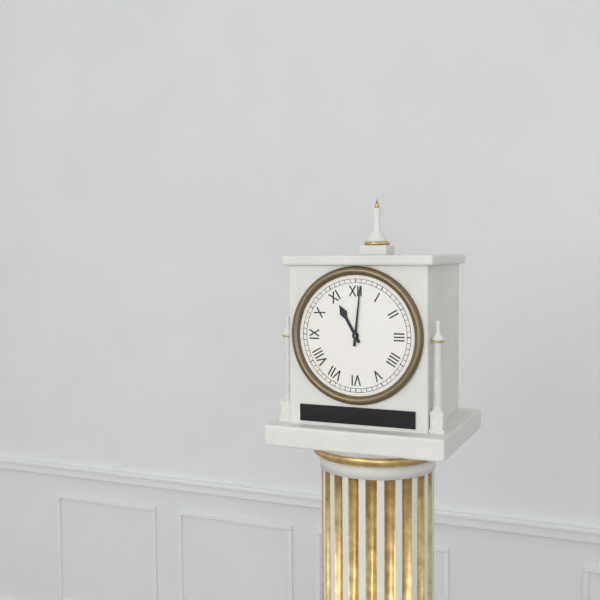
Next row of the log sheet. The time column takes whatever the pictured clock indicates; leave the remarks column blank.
11:01
